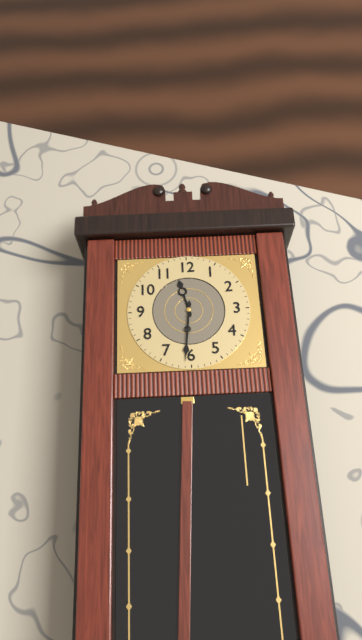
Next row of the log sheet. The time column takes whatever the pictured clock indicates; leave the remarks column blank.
11:31
